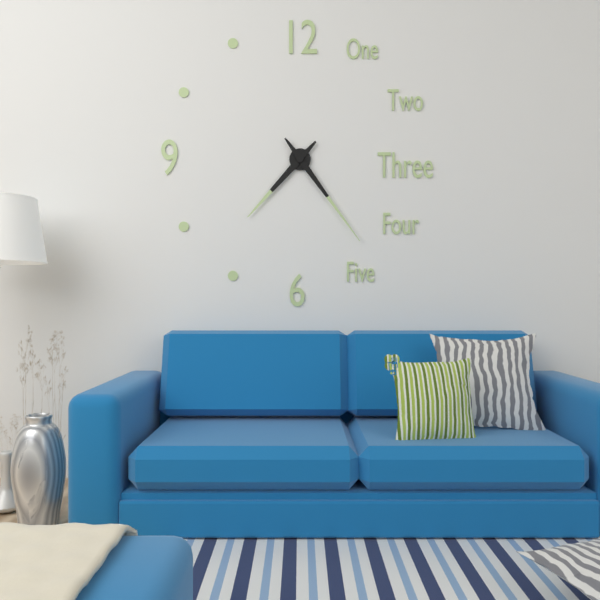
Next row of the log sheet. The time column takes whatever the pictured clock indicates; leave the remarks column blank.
7:24
